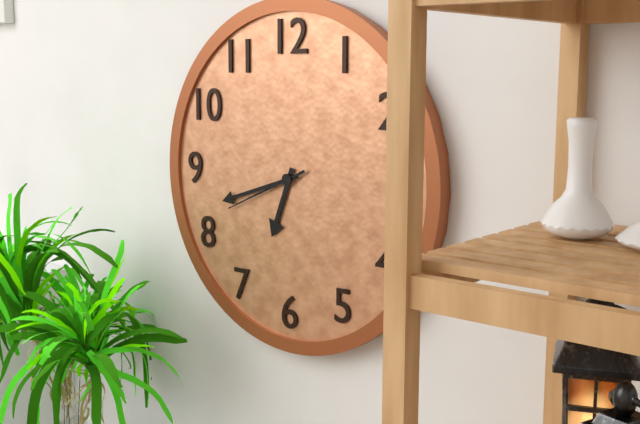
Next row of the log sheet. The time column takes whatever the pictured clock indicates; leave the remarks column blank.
6:42:41
